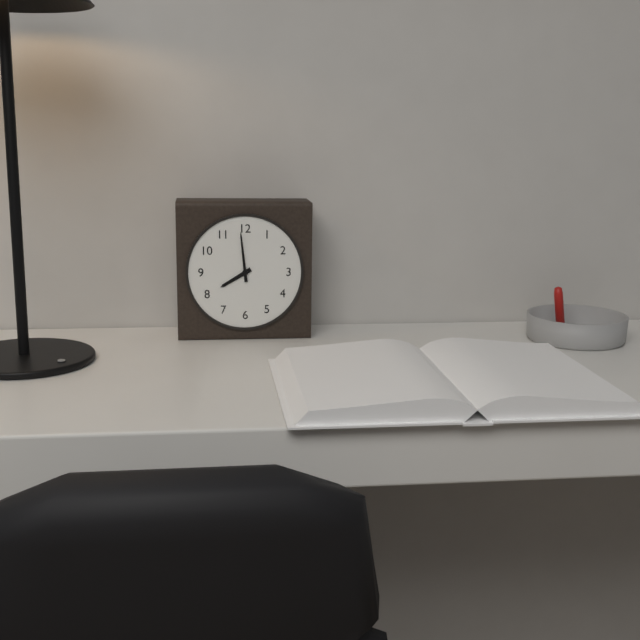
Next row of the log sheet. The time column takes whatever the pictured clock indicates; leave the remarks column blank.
7:59
